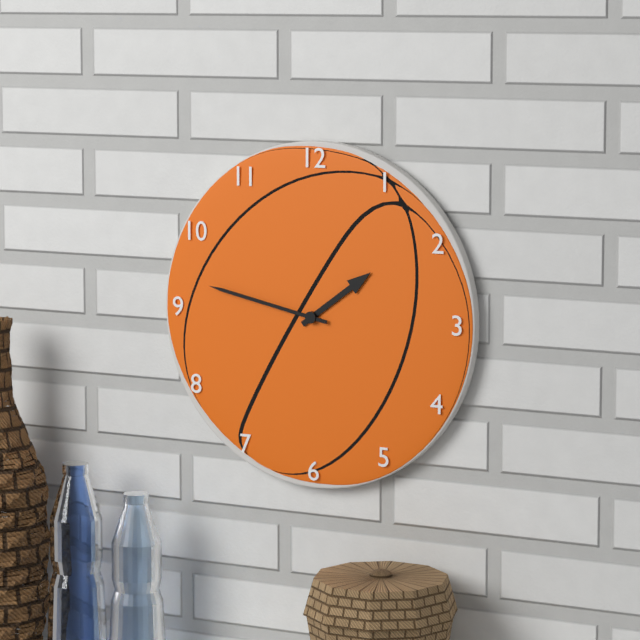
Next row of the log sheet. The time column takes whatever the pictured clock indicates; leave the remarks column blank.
1:47
